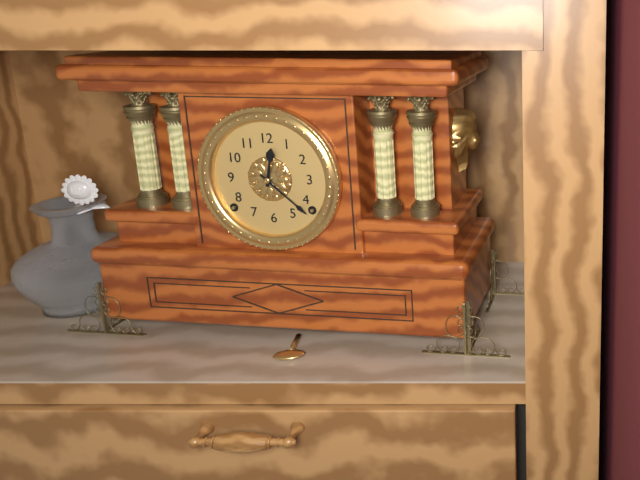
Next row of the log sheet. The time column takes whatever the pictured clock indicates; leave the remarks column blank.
12:22
